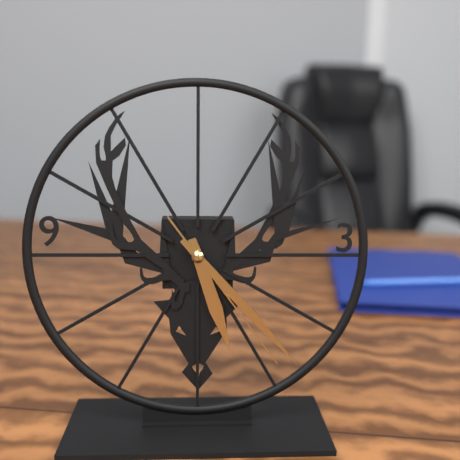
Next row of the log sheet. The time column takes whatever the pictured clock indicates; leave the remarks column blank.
5:23:24
